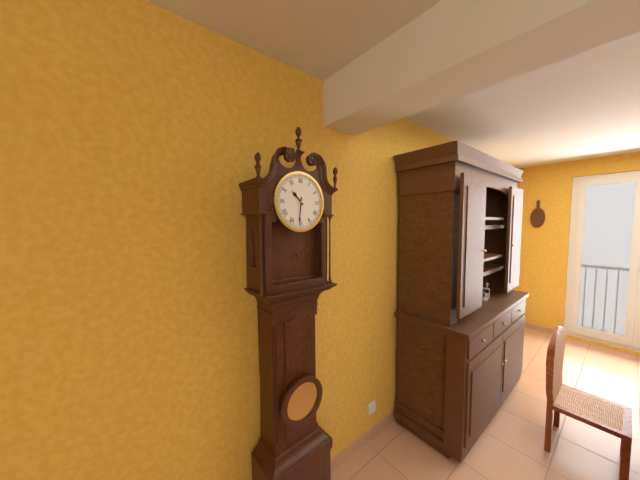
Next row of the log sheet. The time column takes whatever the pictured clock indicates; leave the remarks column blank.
10:31
